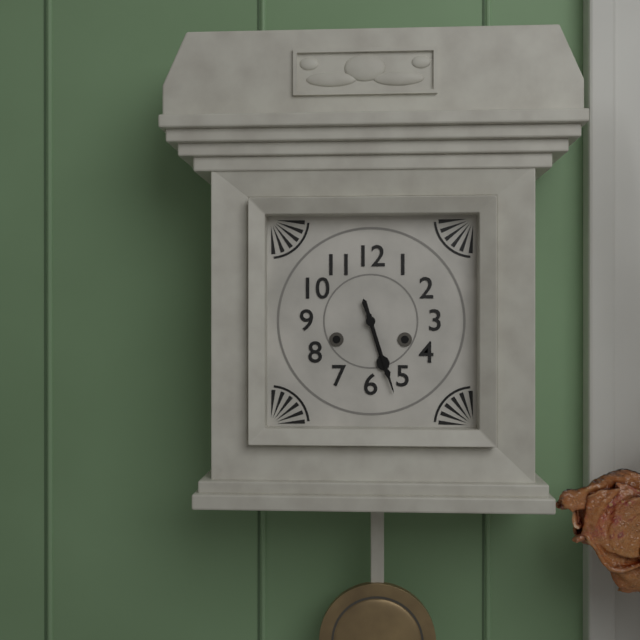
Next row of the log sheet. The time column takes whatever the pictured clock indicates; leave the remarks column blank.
5:27
